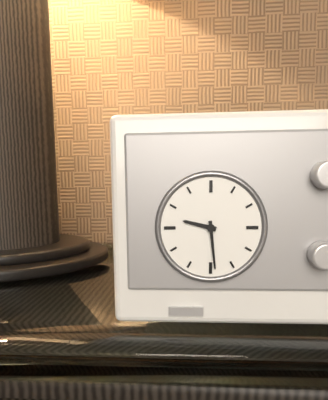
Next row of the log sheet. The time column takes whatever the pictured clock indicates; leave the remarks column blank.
9:29
